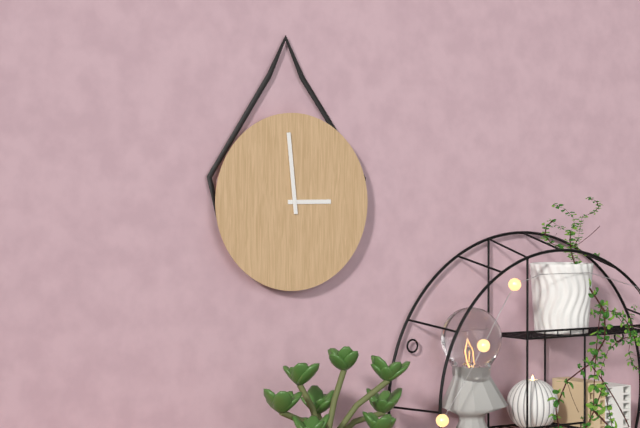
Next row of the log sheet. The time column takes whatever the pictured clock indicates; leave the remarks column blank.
2:59
